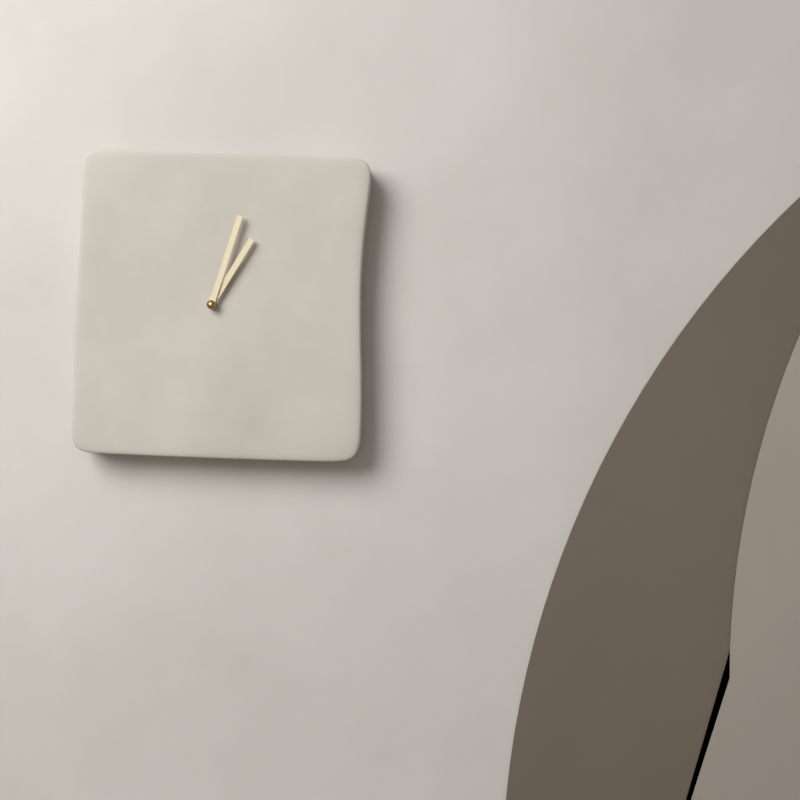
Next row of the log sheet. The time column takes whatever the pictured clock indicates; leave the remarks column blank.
1:03
